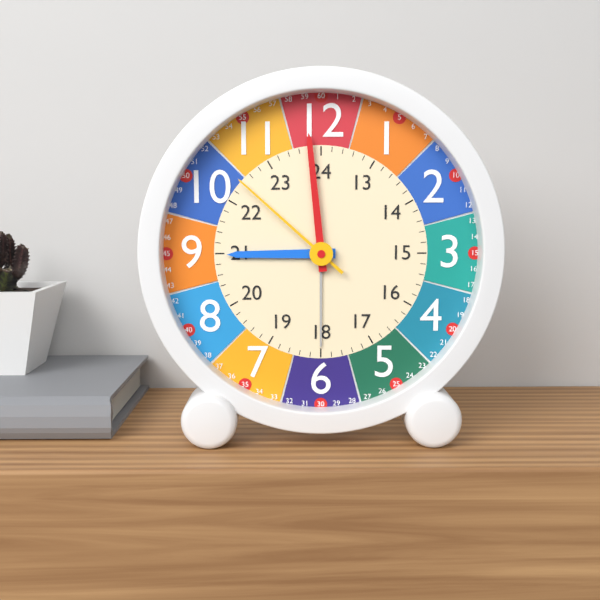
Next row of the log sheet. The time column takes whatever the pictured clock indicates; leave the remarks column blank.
8:59:52
